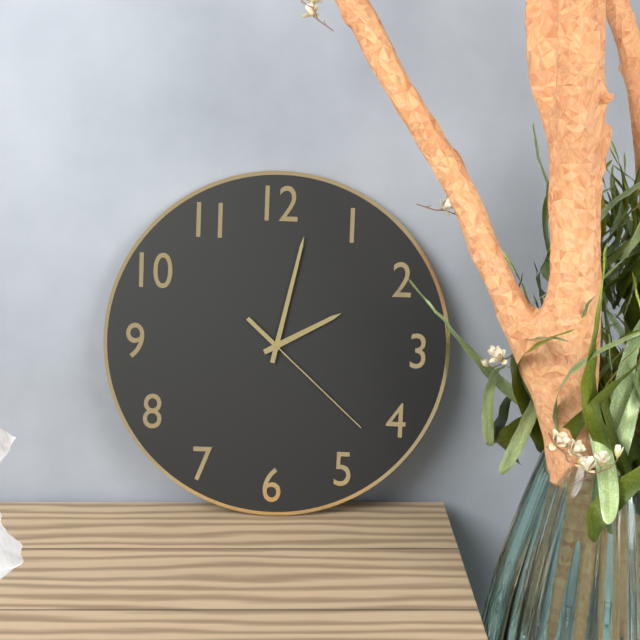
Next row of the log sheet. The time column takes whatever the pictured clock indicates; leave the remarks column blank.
2:02:22
